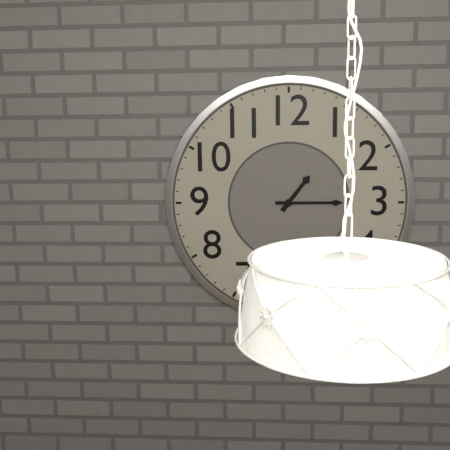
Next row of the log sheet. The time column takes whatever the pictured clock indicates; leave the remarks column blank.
1:15
